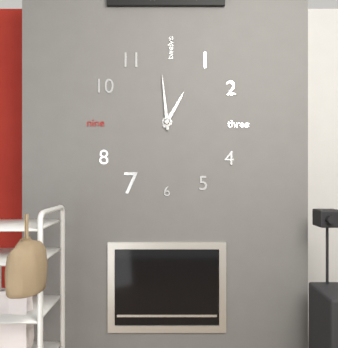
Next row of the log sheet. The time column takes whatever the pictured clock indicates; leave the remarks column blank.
12:59
